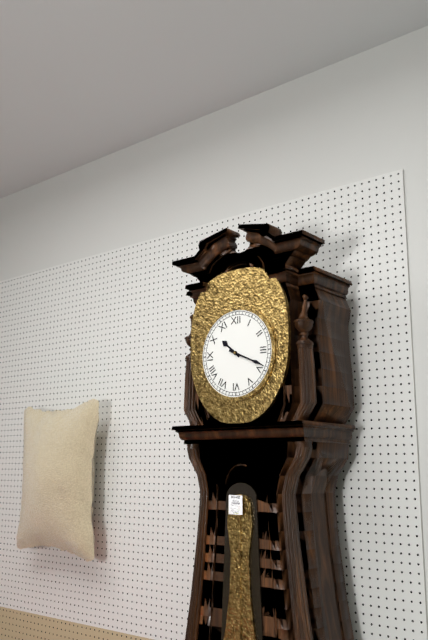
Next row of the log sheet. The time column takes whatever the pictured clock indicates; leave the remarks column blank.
10:19
